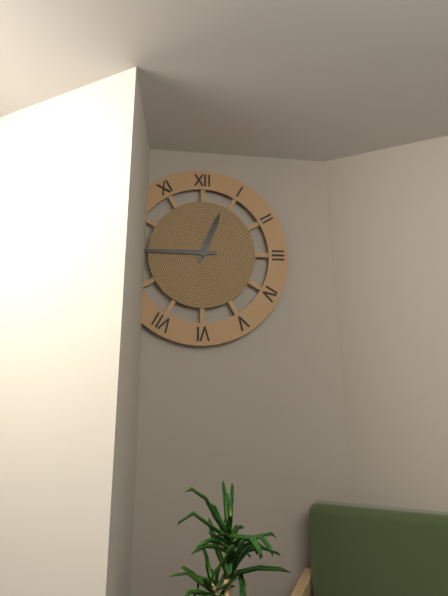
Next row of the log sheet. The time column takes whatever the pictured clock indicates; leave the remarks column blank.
12:45
